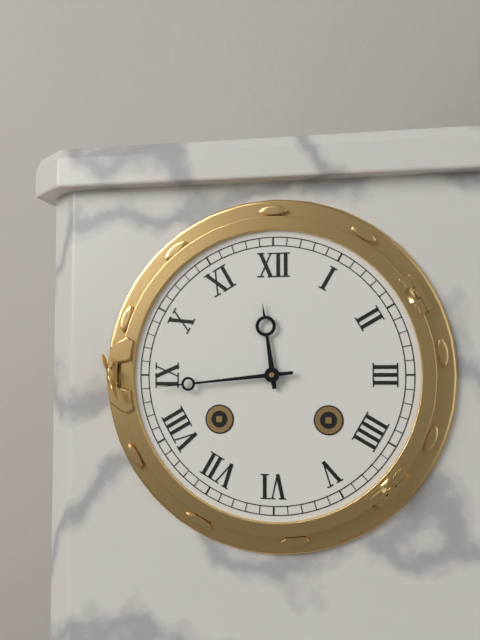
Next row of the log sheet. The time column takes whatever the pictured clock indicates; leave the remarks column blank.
11:44
